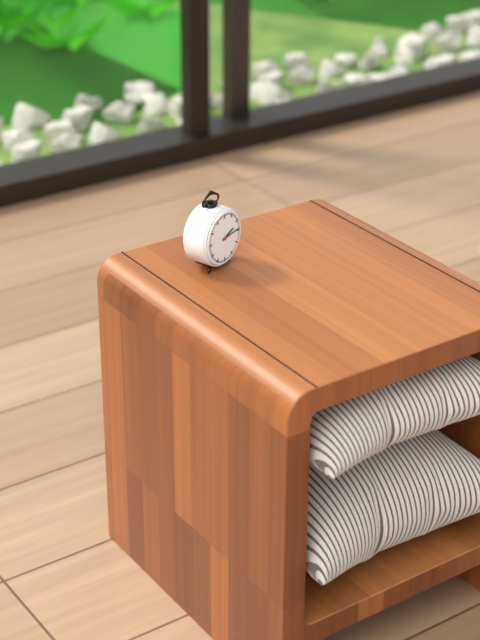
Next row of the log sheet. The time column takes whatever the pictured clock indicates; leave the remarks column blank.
2:14
